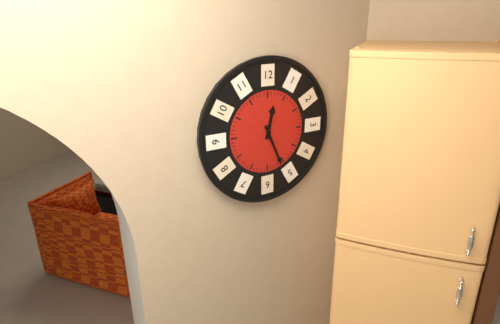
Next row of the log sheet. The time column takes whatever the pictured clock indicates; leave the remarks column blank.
12:26
